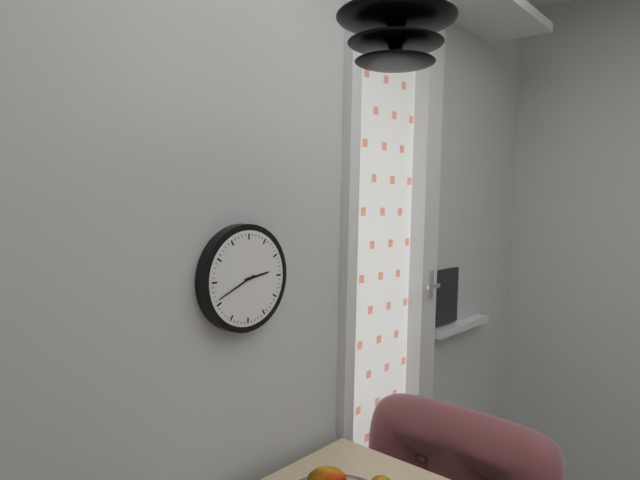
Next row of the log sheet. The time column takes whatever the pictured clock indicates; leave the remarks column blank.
2:41
